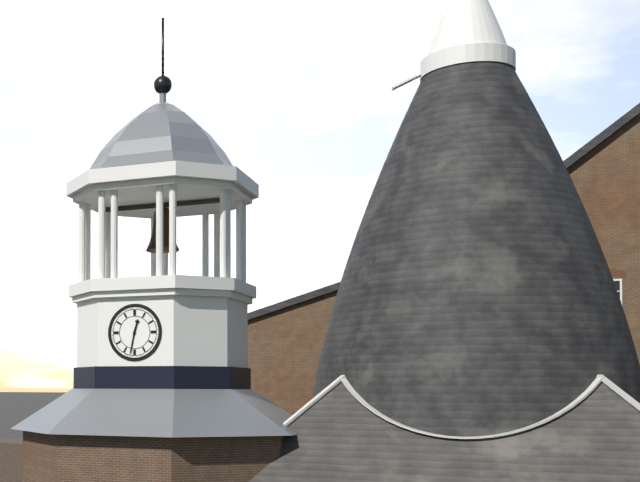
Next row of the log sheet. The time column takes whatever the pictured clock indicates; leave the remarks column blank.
12:32
